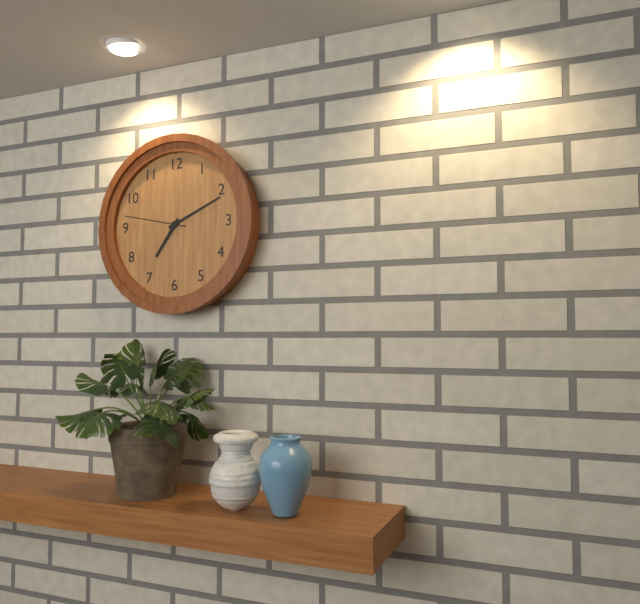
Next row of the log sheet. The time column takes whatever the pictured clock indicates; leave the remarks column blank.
7:11:47
